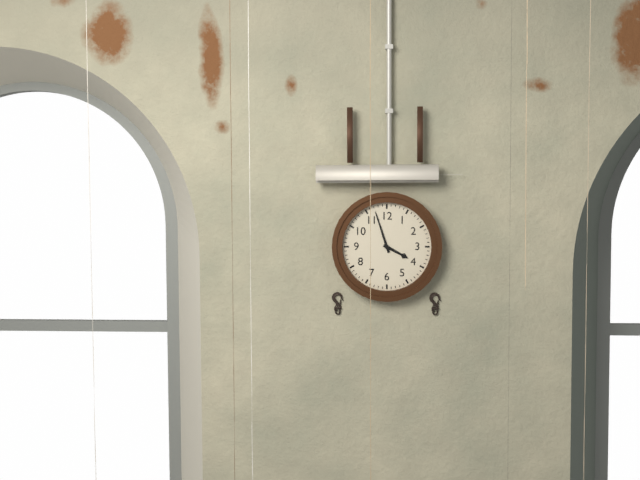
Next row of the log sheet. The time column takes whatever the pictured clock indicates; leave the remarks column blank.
3:57
